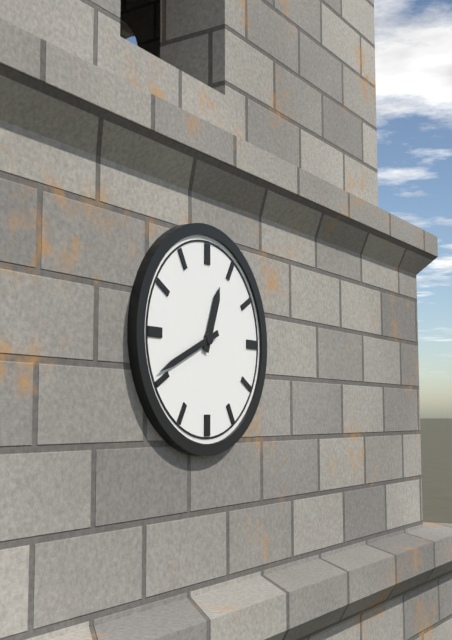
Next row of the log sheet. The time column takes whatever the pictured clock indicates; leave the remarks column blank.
12:41
